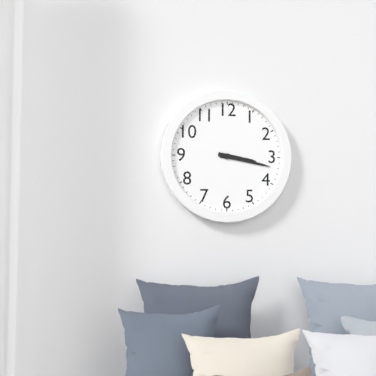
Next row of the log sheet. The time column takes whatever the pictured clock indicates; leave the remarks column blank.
3:17
